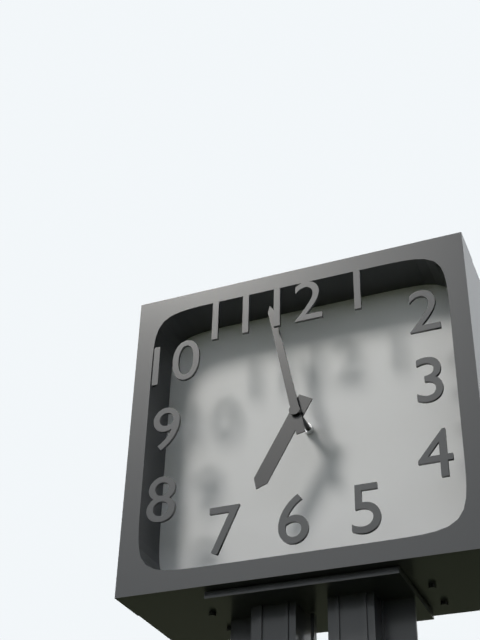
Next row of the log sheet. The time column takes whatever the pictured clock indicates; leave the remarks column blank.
6:58
